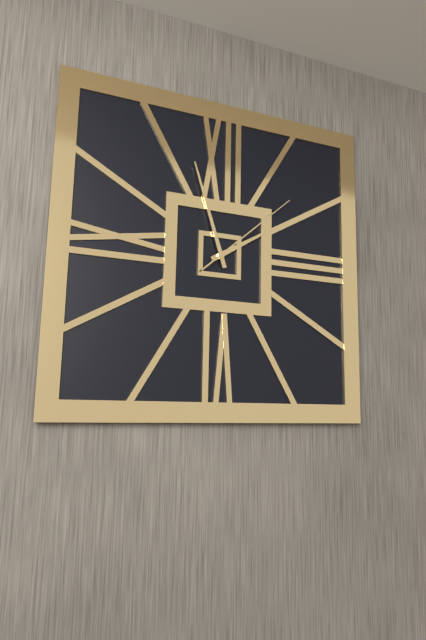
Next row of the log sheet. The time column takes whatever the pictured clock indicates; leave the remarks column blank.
1:57:08
